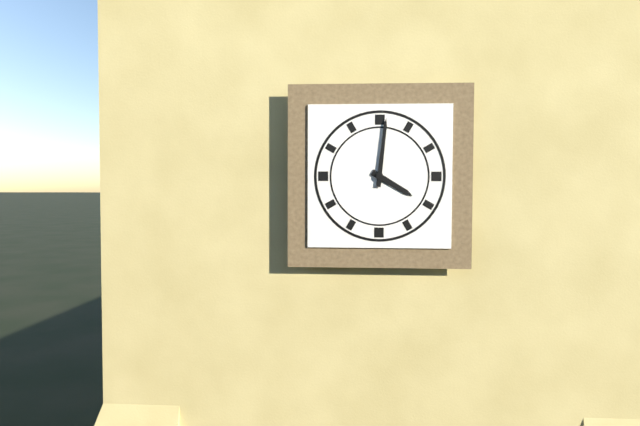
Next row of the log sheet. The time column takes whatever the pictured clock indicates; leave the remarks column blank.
4:01
